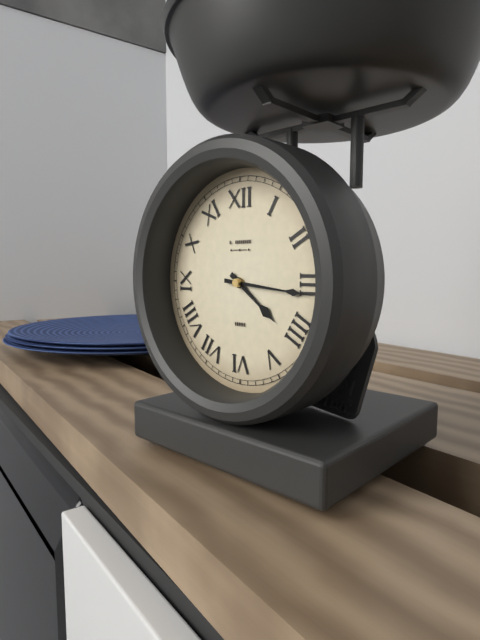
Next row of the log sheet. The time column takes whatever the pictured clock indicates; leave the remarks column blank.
4:16
